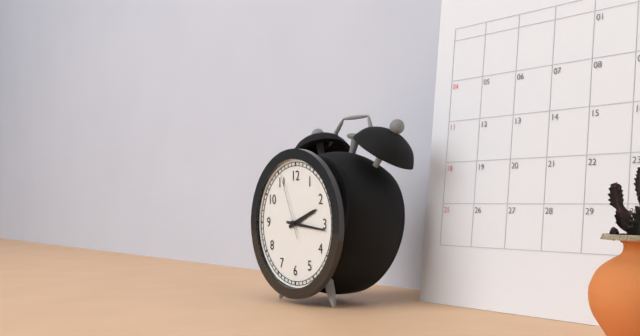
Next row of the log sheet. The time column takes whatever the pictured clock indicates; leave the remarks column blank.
2:16:56
